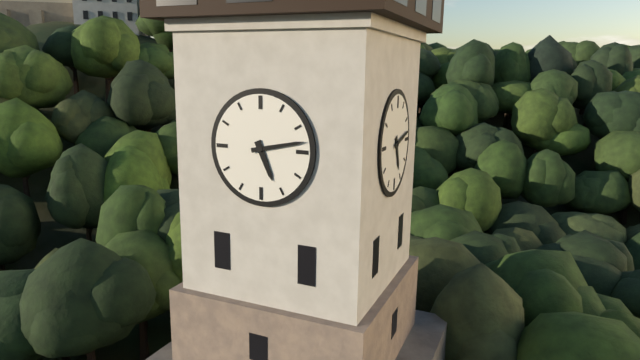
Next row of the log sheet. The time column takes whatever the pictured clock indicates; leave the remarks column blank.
5:13
